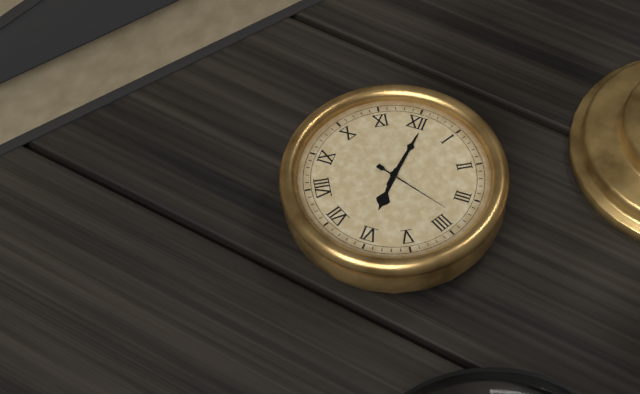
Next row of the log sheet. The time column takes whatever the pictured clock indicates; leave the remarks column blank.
6:01:18
